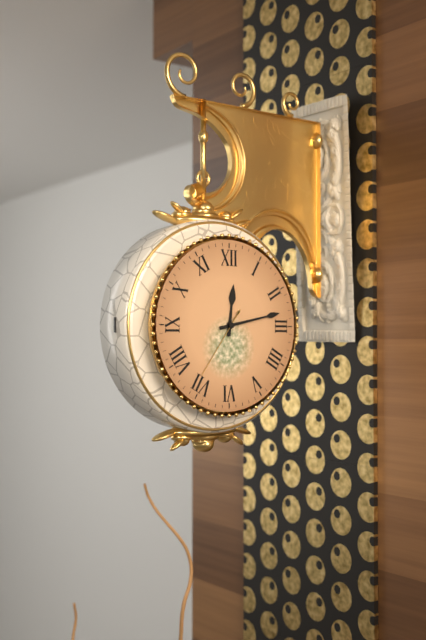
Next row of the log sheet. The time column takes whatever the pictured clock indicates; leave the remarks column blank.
12:13:36
